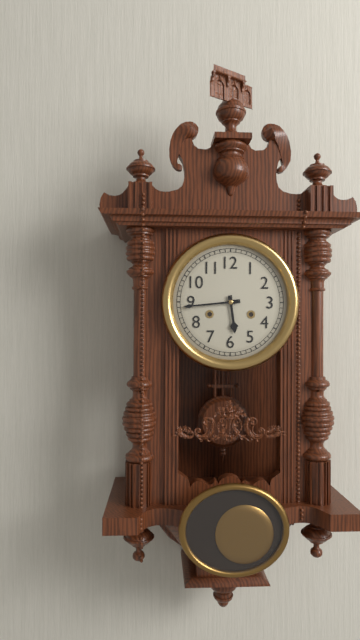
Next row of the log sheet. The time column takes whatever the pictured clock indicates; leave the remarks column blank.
5:44
